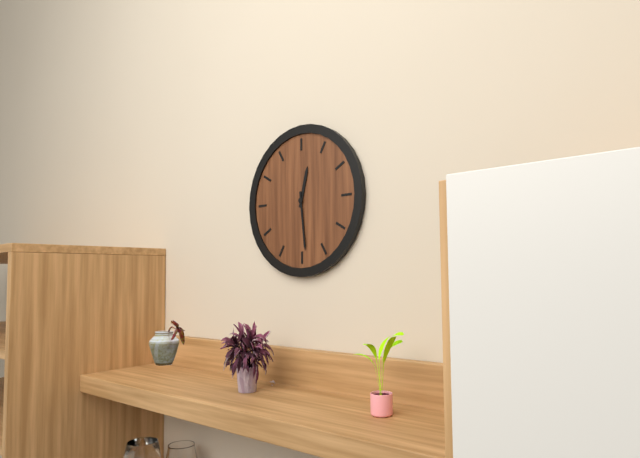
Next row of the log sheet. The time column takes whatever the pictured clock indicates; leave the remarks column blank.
12:29
